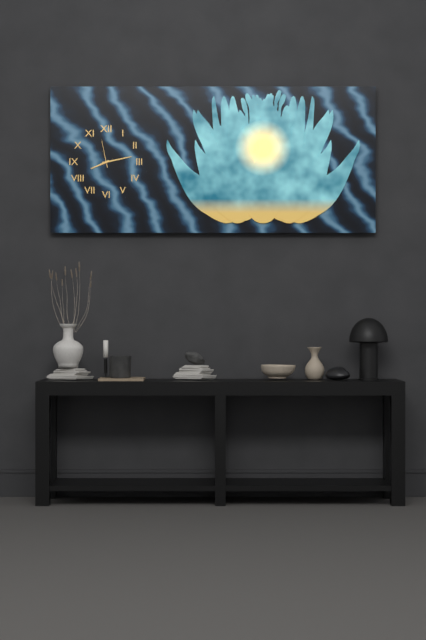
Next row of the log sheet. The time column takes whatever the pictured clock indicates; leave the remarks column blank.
8:13
